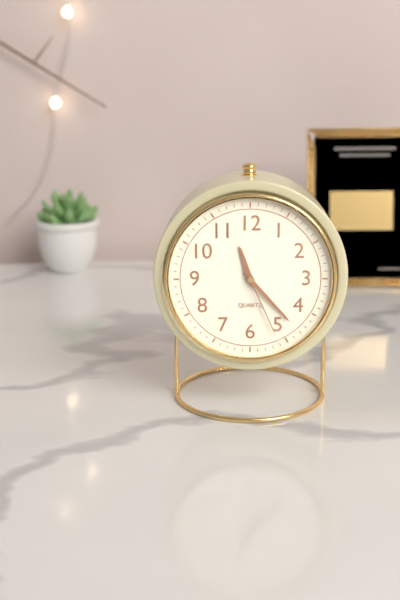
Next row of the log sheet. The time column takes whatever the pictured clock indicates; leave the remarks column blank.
11:23:26
